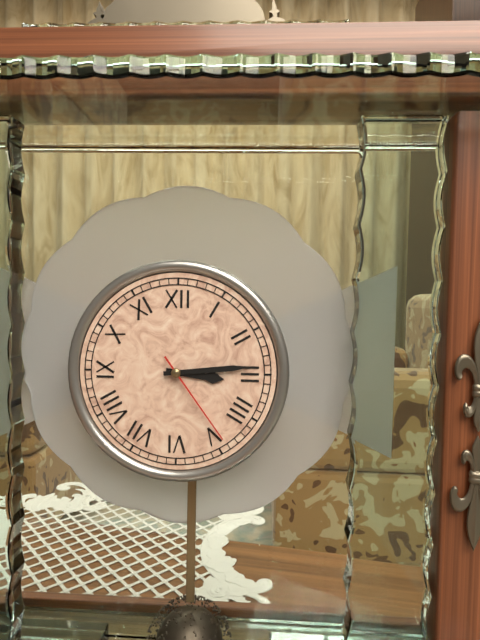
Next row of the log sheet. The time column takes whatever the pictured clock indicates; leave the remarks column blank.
3:14:24
